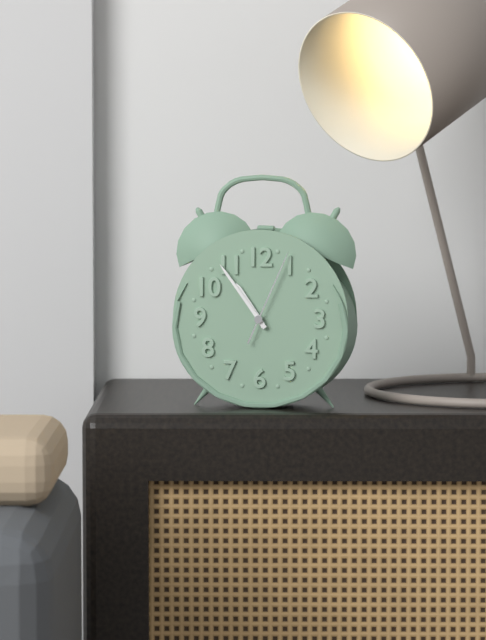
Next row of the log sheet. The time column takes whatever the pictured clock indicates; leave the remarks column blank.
10:54:04
